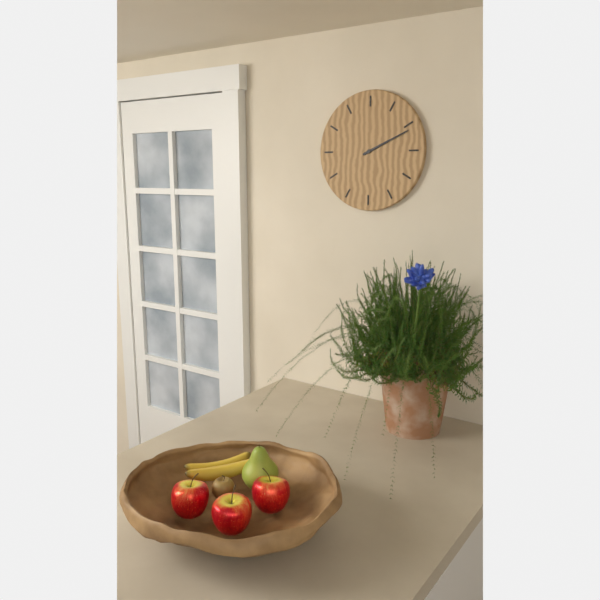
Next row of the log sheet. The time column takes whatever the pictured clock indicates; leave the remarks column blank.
2:11
